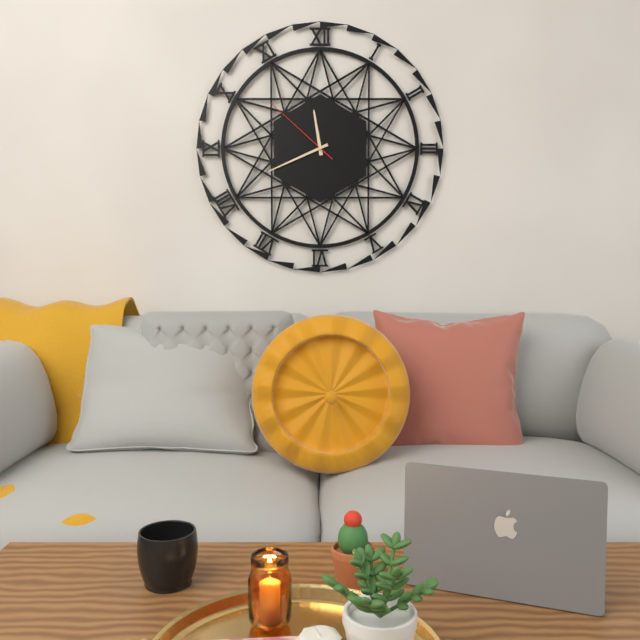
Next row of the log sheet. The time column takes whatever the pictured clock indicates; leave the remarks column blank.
11:41:52
